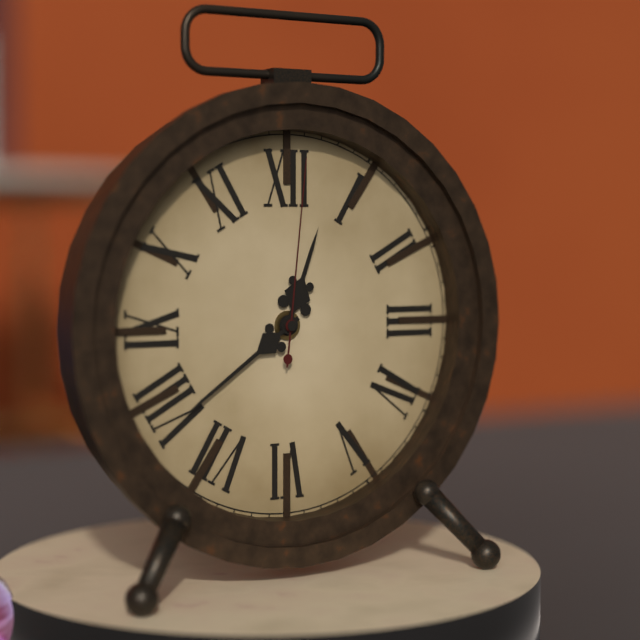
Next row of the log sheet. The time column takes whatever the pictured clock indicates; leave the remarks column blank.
12:39:01
